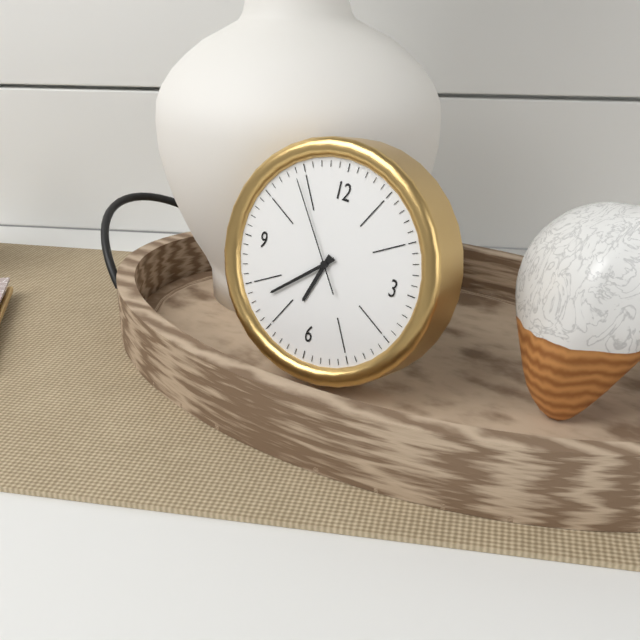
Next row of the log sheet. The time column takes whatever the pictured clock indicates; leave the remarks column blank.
6:38:54
